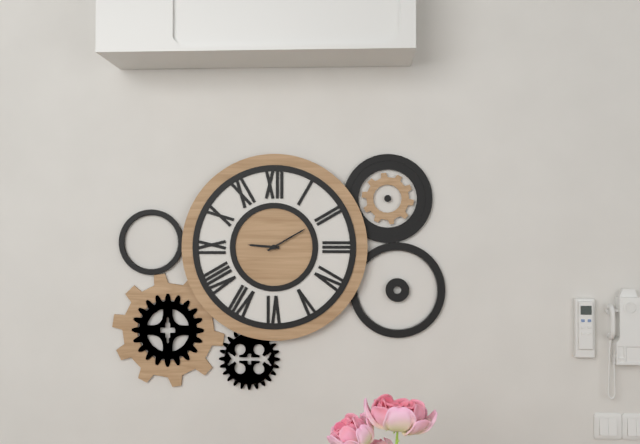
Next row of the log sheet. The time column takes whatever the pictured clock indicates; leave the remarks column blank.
9:10
